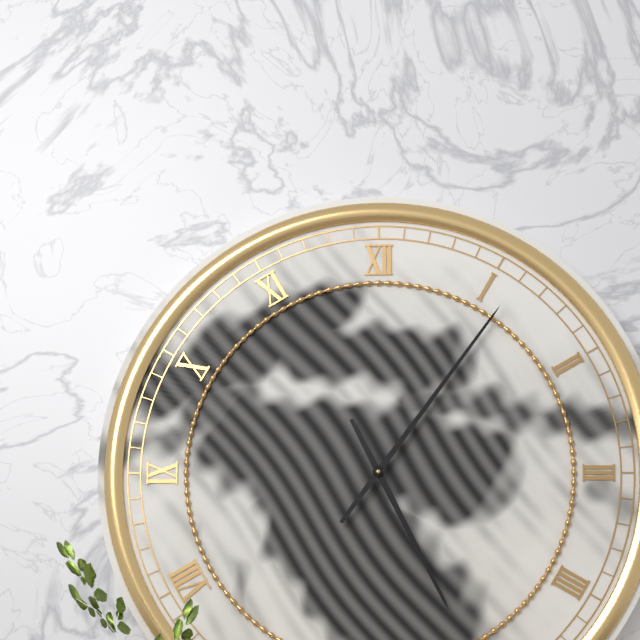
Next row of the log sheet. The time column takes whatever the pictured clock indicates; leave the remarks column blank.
5:06
